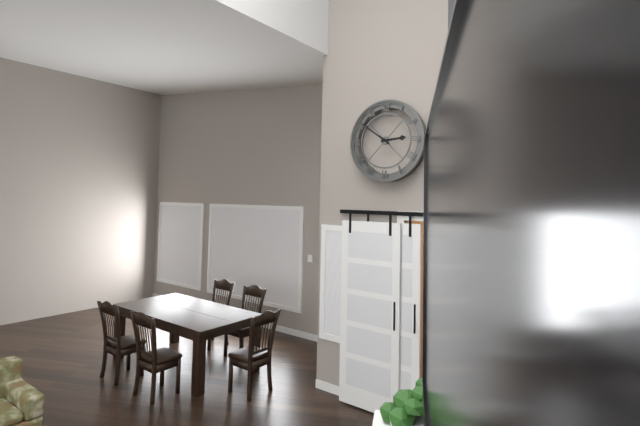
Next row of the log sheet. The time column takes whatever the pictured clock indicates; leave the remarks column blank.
2:51
